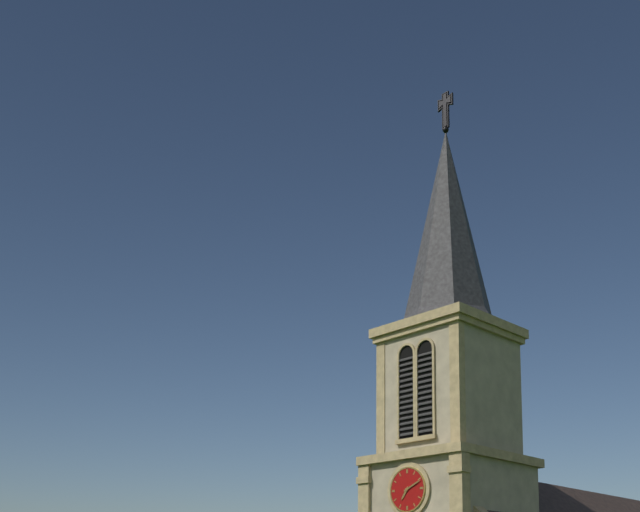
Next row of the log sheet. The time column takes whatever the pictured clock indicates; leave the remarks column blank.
7:11
